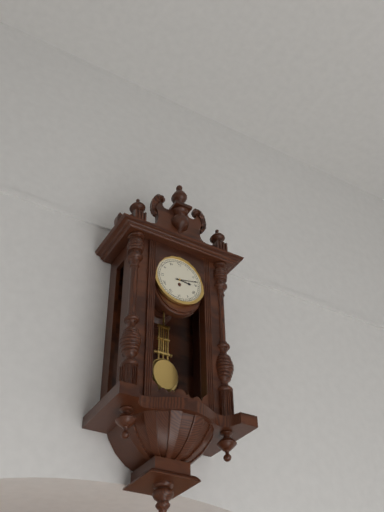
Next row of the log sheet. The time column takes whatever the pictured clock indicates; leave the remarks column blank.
3:13
